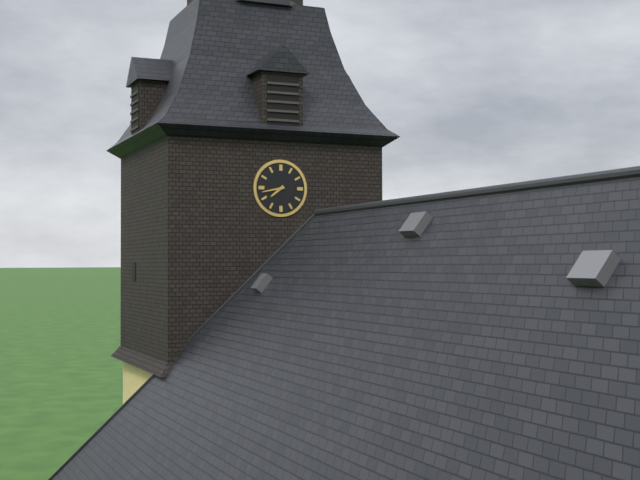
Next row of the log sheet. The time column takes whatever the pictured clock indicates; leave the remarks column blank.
7:43
